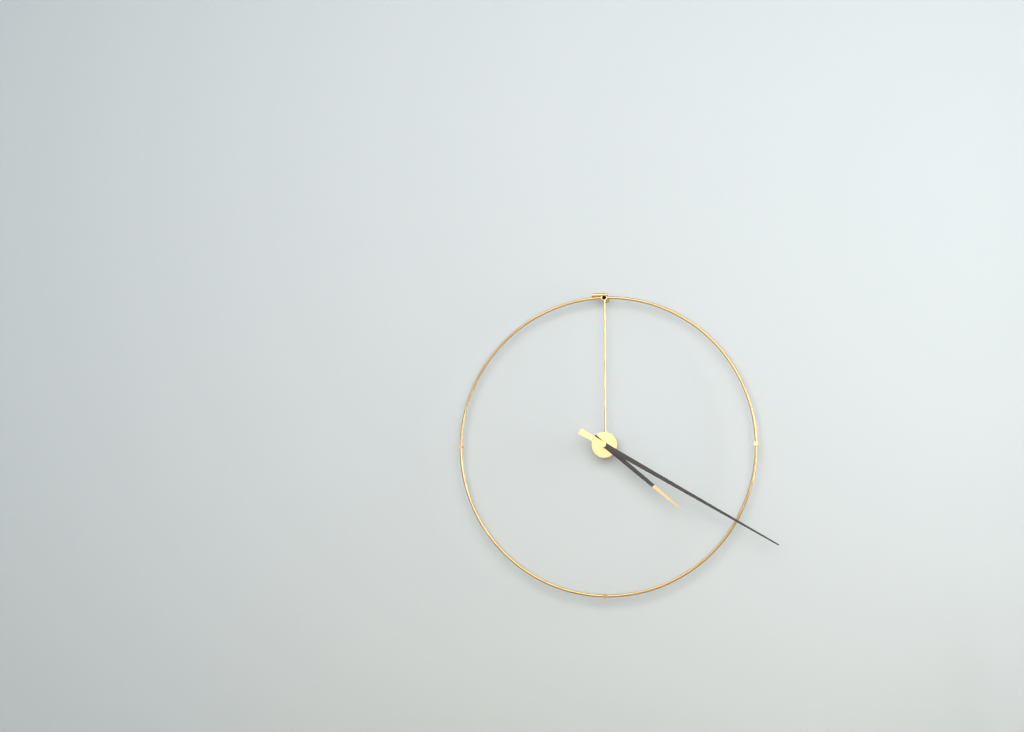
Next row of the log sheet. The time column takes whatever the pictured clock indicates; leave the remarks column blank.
4:20
